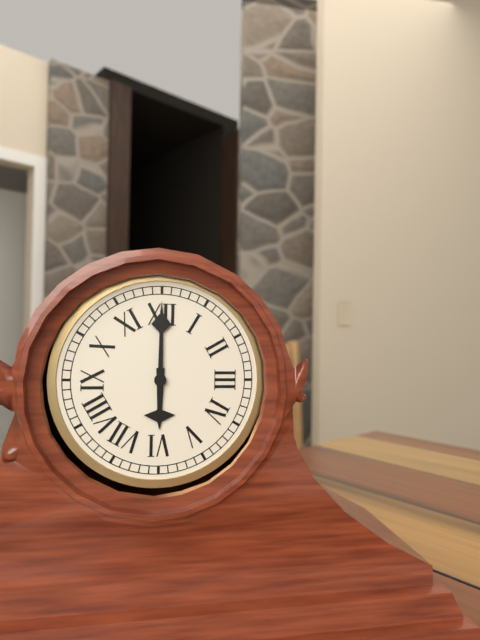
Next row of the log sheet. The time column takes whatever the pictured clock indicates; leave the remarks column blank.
6:00
